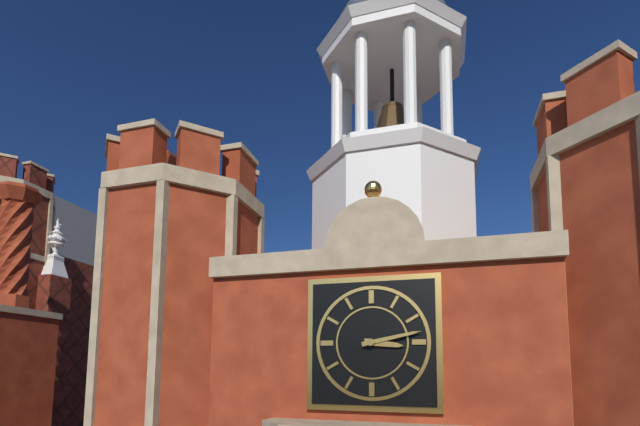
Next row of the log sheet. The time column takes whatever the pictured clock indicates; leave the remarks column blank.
3:13
